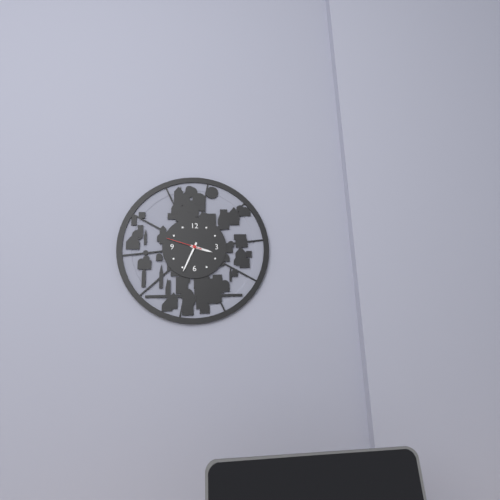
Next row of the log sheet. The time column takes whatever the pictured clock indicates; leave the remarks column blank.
3:34
